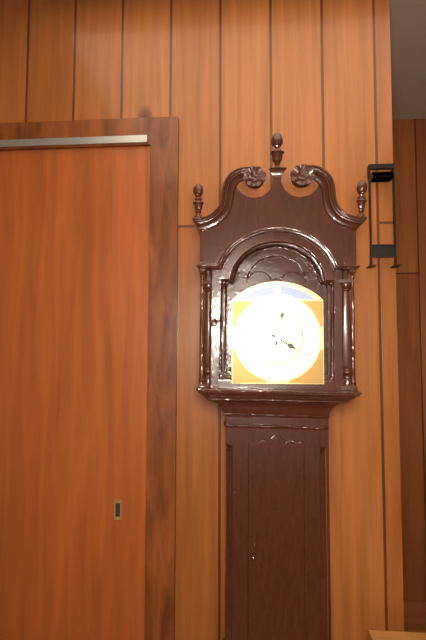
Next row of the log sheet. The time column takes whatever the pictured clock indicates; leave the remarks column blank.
4:02
